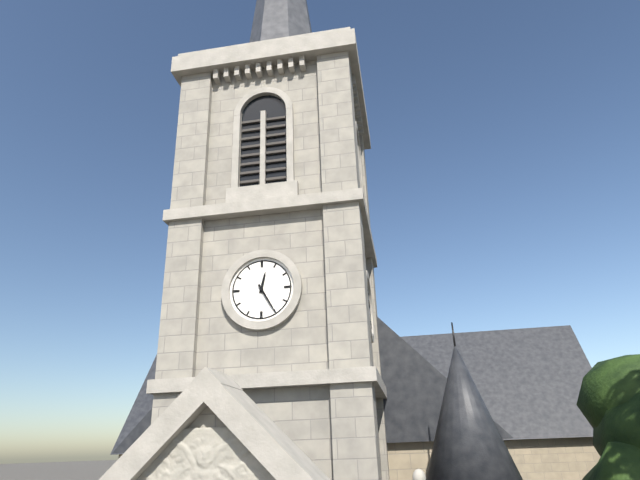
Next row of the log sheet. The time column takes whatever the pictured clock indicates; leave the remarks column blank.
12:25
